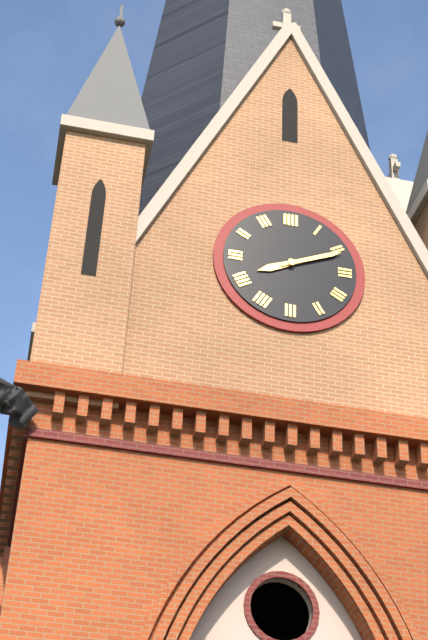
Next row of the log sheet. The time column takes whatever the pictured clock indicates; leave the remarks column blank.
8:11
